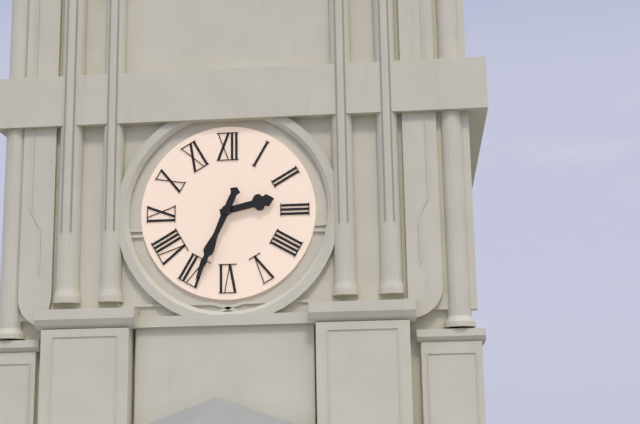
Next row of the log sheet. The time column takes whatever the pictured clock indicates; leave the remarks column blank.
2:34
